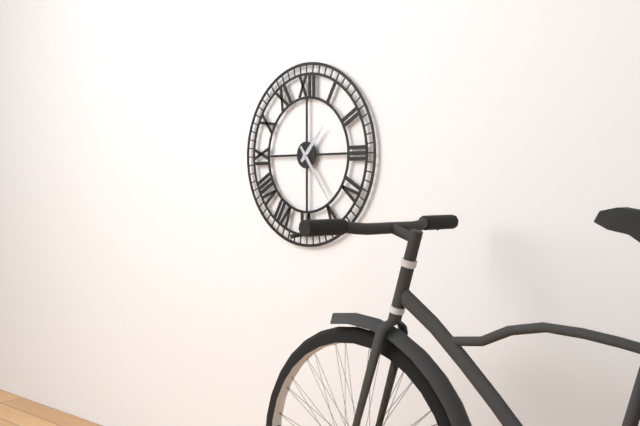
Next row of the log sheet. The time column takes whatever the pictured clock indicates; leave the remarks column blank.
1:24
